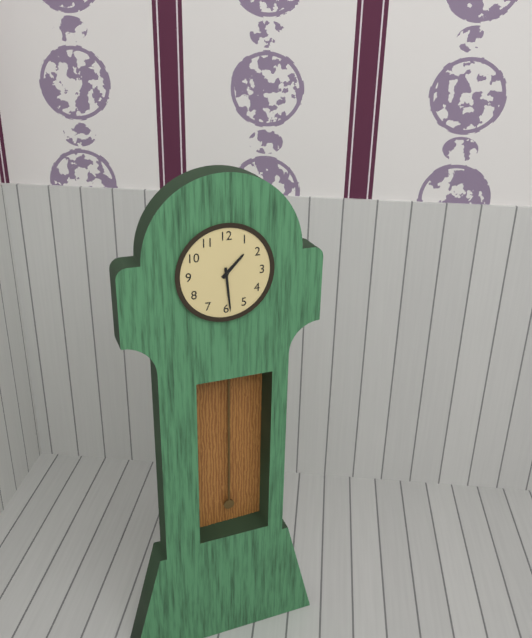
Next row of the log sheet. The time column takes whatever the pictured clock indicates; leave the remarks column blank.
1:29
